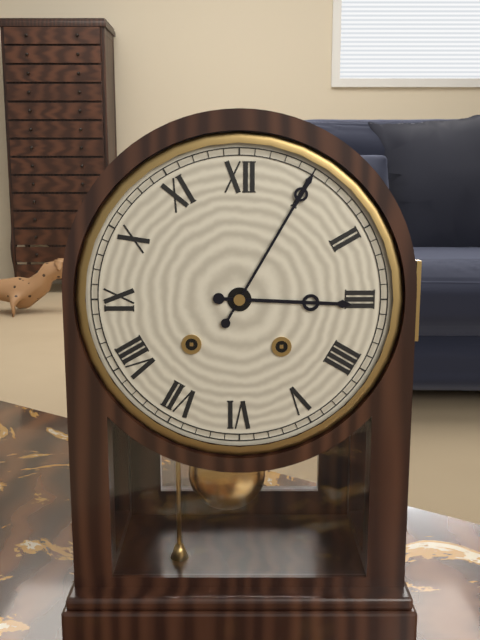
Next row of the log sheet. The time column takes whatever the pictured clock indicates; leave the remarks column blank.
3:05
